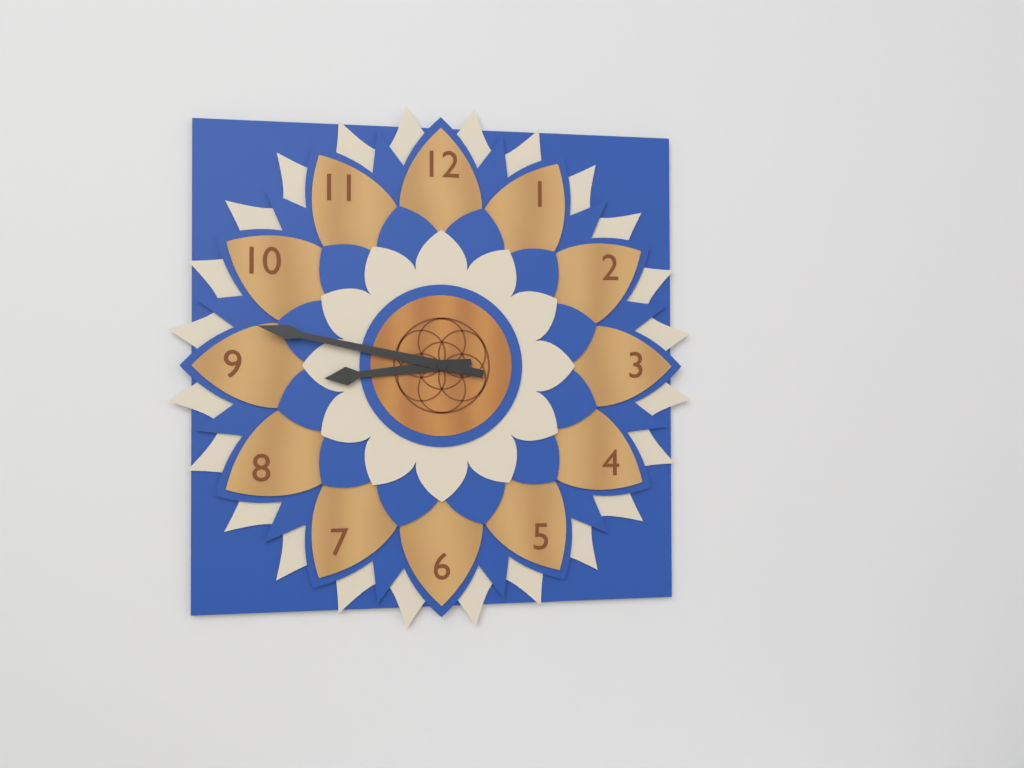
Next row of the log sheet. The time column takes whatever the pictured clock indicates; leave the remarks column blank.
8:47
